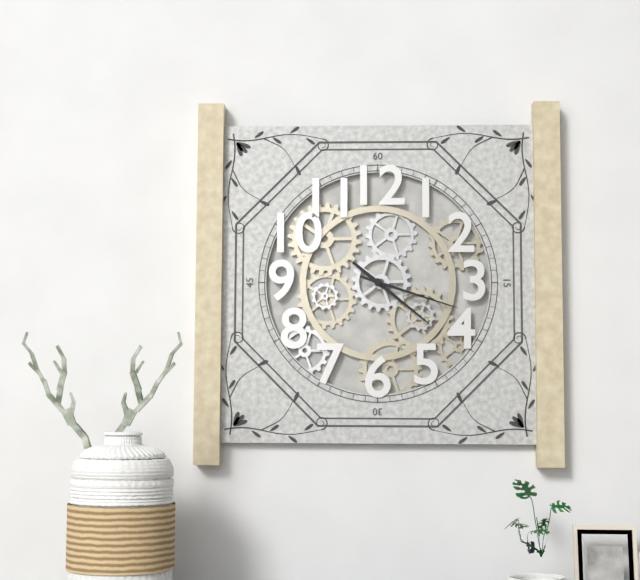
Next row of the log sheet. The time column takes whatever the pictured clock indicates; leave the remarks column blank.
4:18
